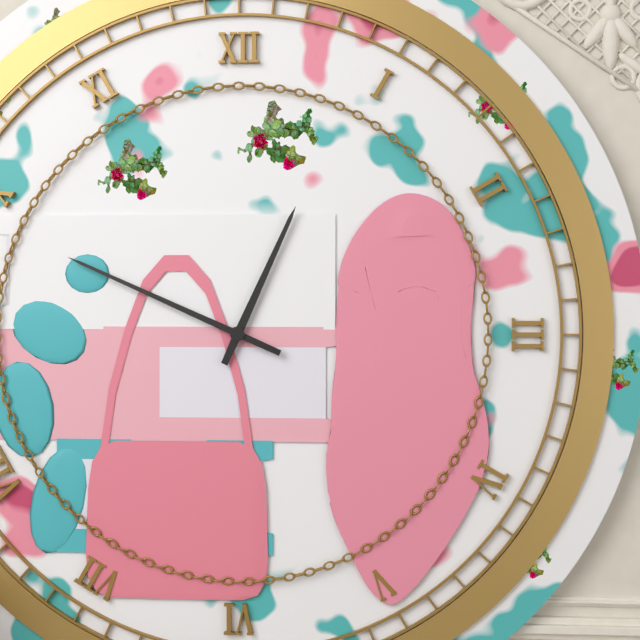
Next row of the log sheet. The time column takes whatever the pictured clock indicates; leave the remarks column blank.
12:49
